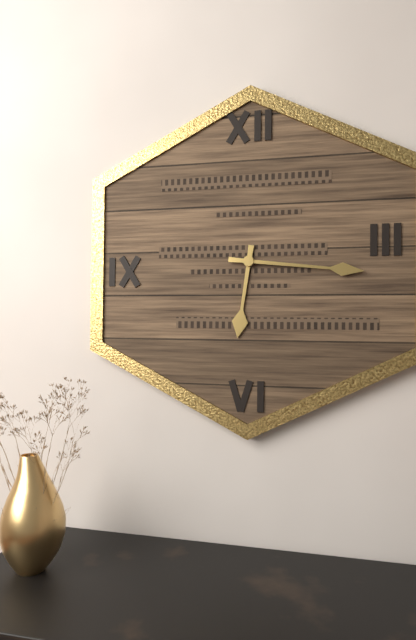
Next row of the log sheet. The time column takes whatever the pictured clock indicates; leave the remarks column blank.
6:16
